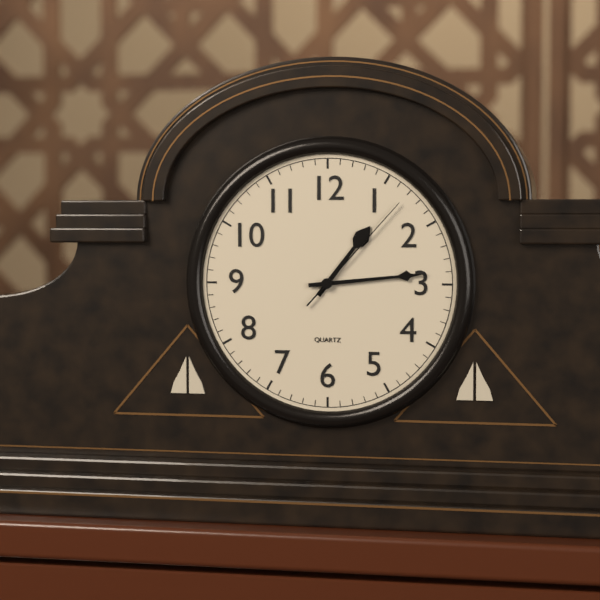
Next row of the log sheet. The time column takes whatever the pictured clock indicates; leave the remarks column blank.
1:14:07
